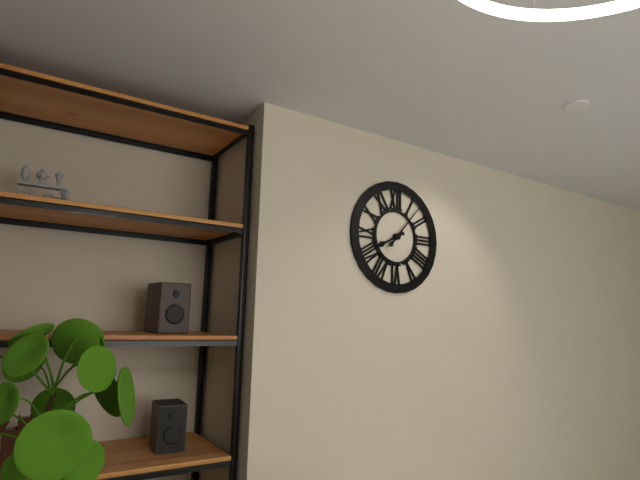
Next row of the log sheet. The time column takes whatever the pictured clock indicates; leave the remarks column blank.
8:07
